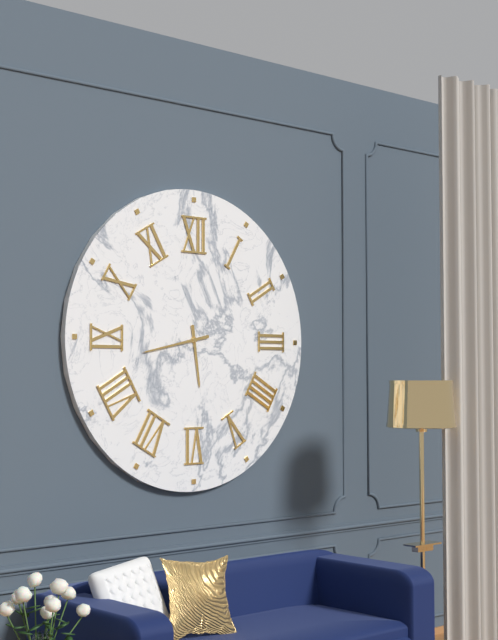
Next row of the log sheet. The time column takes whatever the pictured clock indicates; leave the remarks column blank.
5:43
